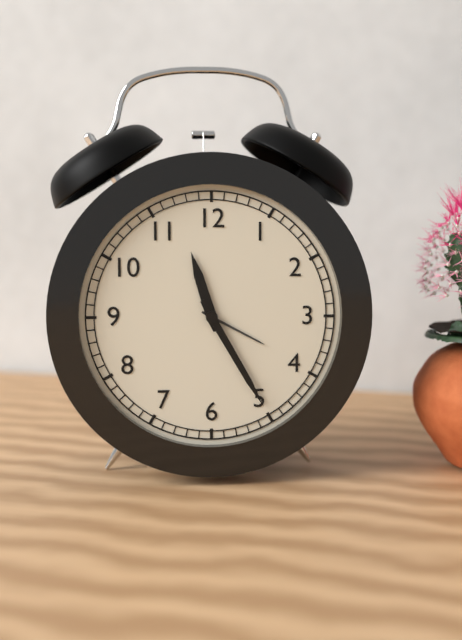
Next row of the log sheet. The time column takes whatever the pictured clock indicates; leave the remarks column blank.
11:25
